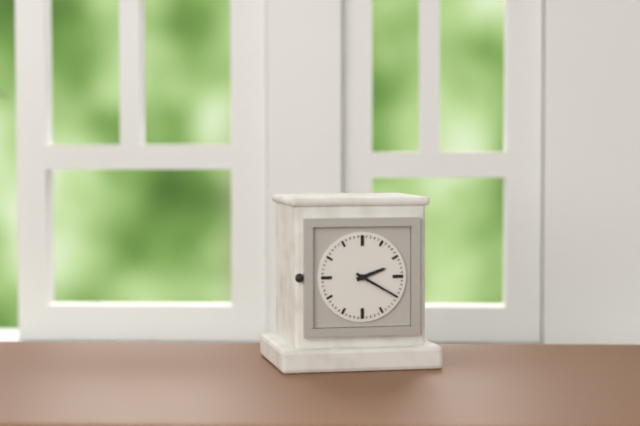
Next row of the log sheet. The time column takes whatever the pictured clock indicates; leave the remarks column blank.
2:20
